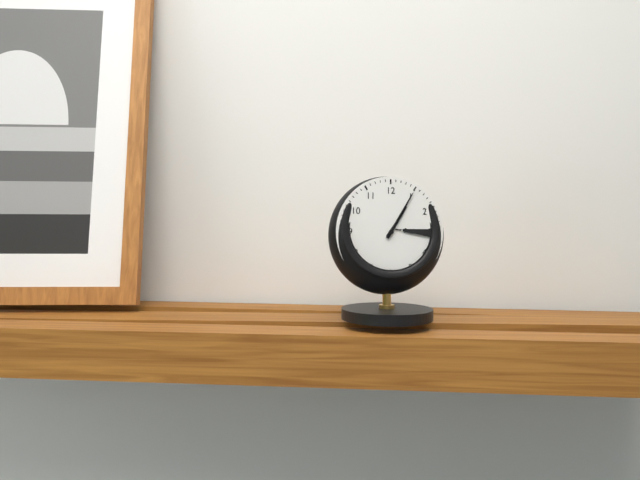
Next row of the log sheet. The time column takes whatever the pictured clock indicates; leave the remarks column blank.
1:05
